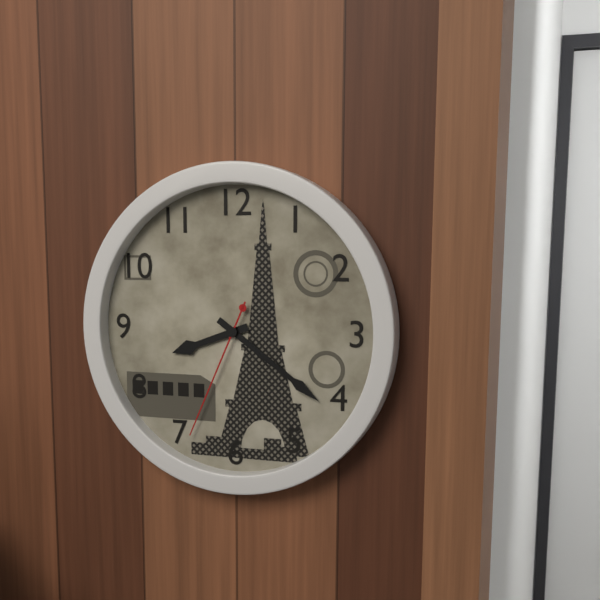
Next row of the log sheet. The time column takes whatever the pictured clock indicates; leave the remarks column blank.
8:21:34
